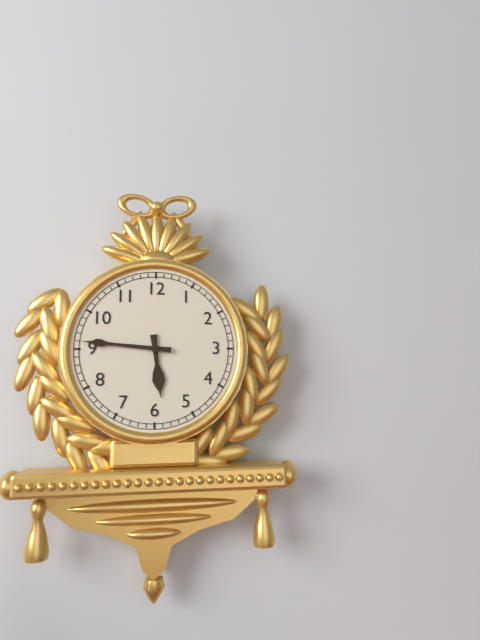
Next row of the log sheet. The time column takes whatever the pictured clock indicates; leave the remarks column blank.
5:46
